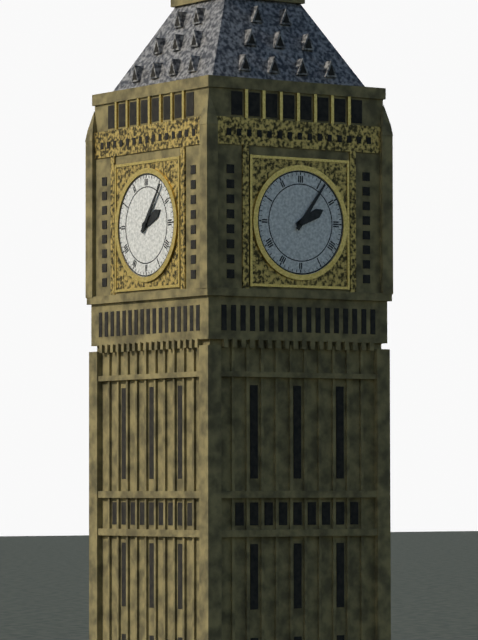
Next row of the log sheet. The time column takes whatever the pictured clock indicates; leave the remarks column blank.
2:06
